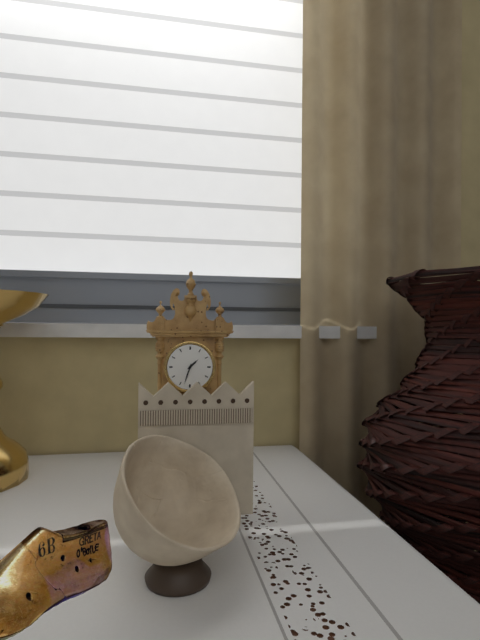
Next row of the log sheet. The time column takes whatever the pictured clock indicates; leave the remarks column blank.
1:33
